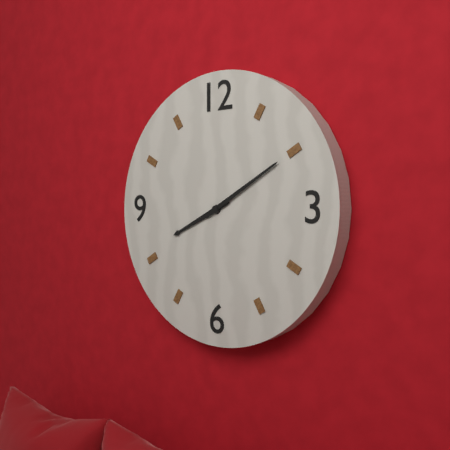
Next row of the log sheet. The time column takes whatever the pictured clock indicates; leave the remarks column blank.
8:10
